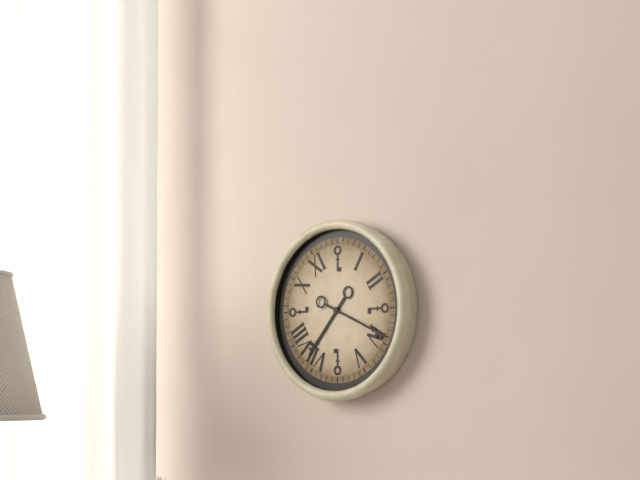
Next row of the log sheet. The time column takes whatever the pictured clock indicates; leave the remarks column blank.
7:19
